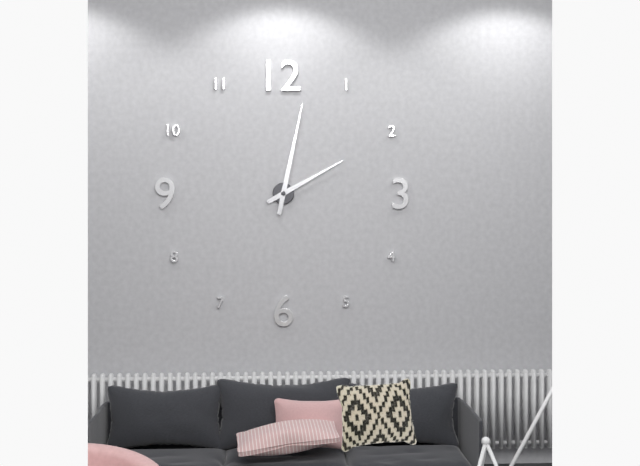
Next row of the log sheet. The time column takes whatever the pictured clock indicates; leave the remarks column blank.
2:02
